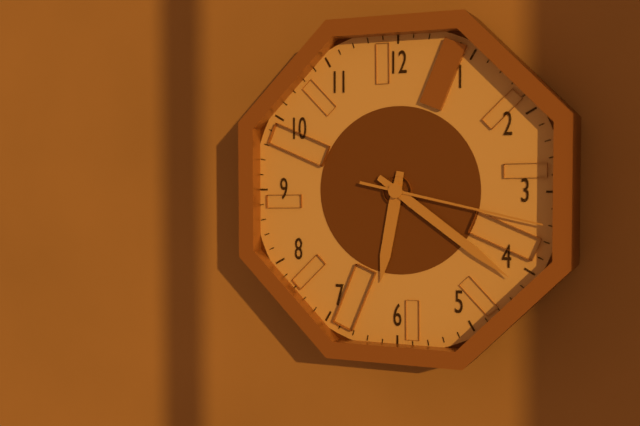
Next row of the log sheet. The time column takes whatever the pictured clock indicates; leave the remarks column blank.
6:21:17
